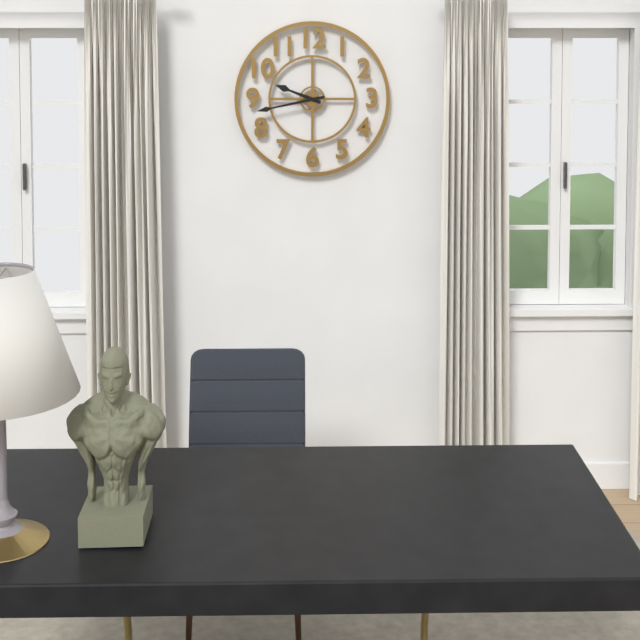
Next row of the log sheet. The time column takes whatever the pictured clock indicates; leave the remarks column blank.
9:43
